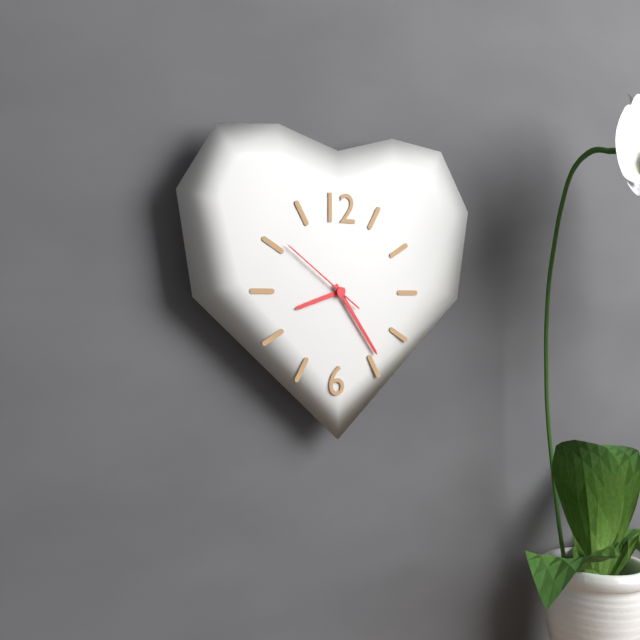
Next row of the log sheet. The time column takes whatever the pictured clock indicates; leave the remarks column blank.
8:24:51
